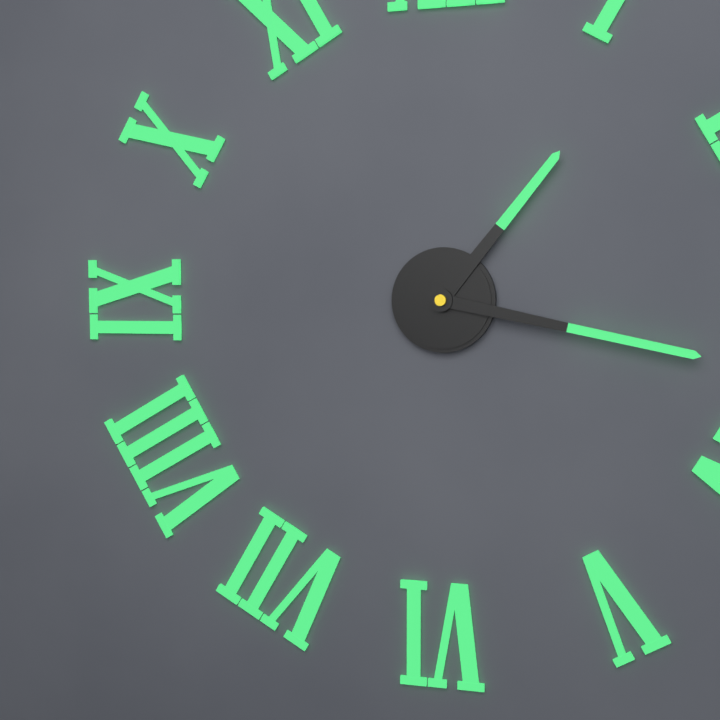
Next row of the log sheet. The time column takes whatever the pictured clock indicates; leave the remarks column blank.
1:17
